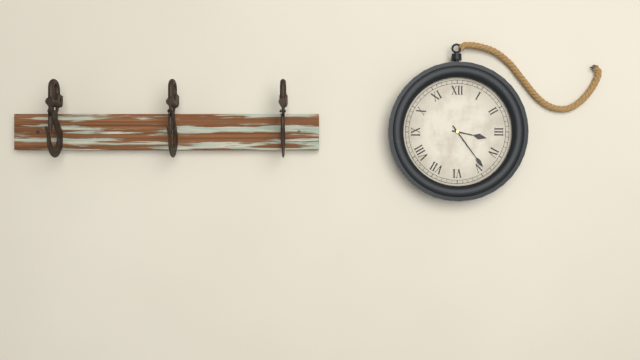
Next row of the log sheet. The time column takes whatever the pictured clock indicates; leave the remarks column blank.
3:24
